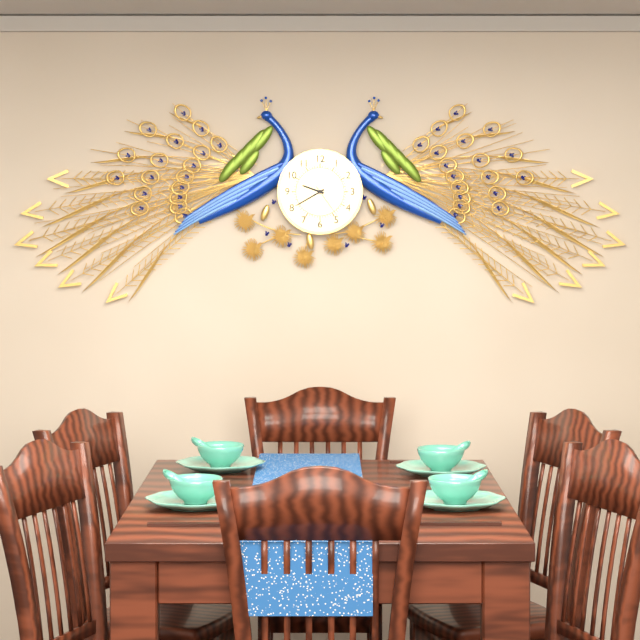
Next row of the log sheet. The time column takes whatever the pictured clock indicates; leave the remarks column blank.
9:40
